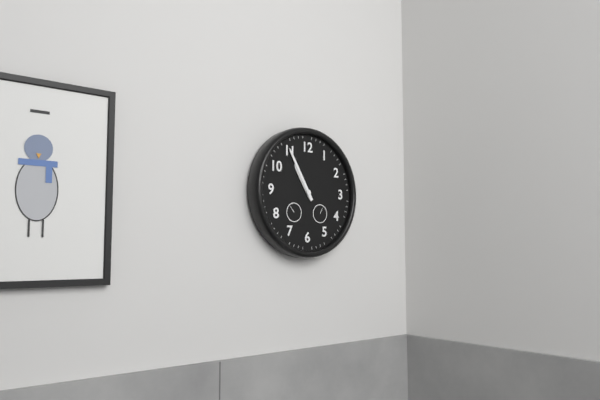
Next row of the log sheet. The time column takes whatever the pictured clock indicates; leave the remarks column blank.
10:55
